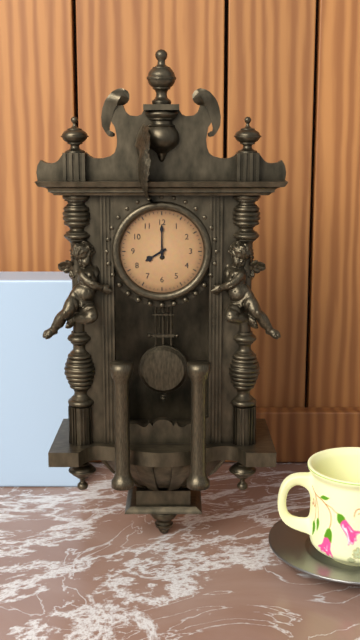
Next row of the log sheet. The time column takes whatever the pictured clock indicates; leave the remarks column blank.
8:00
